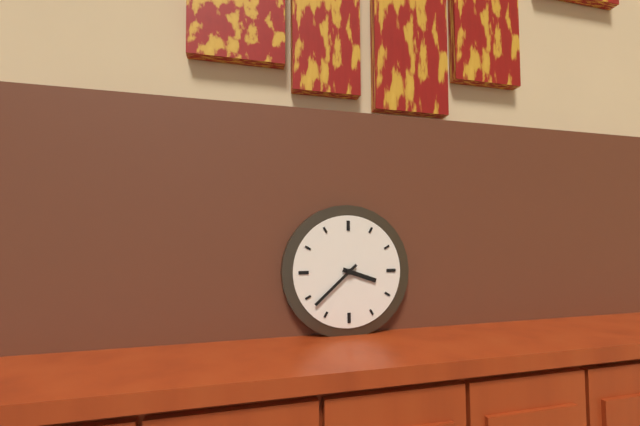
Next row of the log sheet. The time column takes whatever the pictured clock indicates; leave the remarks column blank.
3:38
